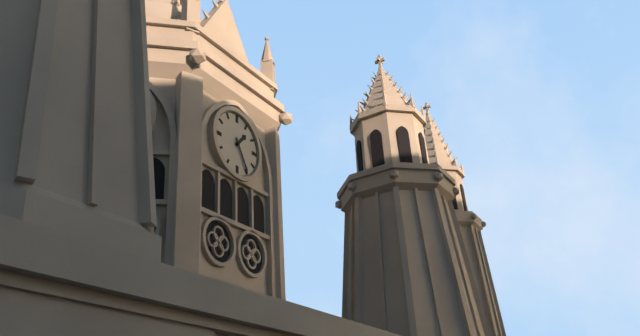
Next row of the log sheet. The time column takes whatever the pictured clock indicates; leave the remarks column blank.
1:25
